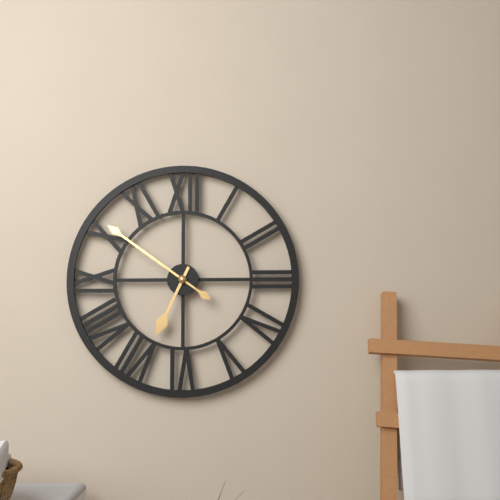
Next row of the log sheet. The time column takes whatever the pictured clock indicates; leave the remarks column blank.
6:51
